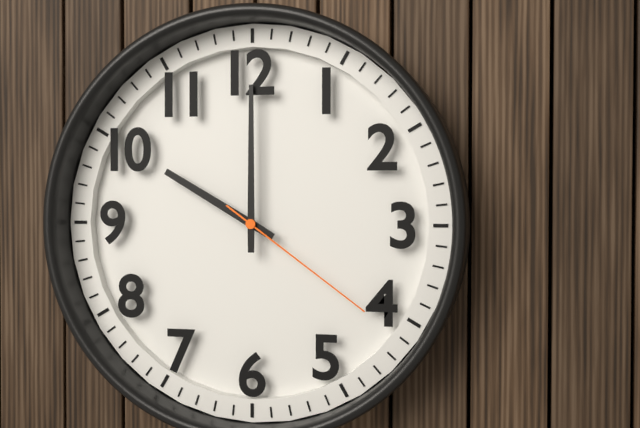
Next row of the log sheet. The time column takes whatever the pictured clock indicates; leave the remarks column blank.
10:00:21
